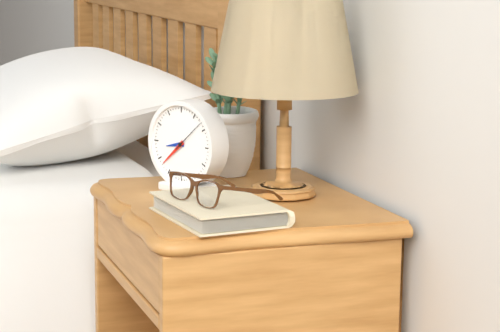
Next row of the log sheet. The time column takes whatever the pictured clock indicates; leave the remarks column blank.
8:38
